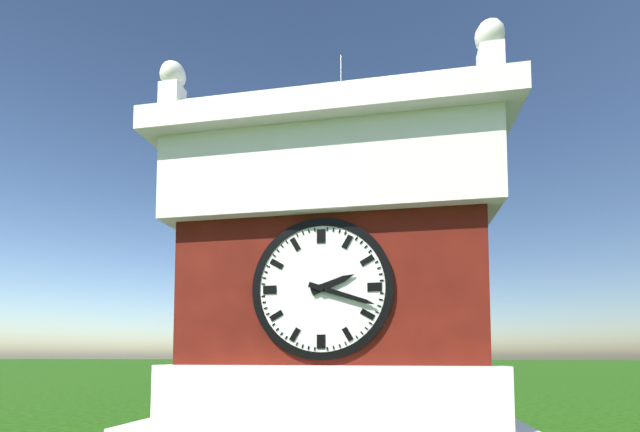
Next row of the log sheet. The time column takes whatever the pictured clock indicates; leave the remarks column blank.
2:18
